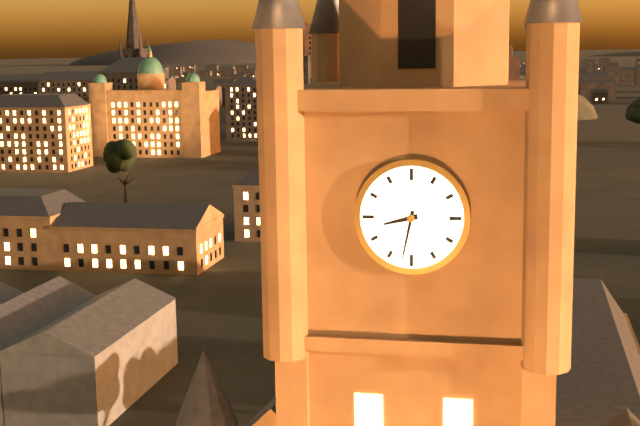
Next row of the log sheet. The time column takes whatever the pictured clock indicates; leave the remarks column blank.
8:32
